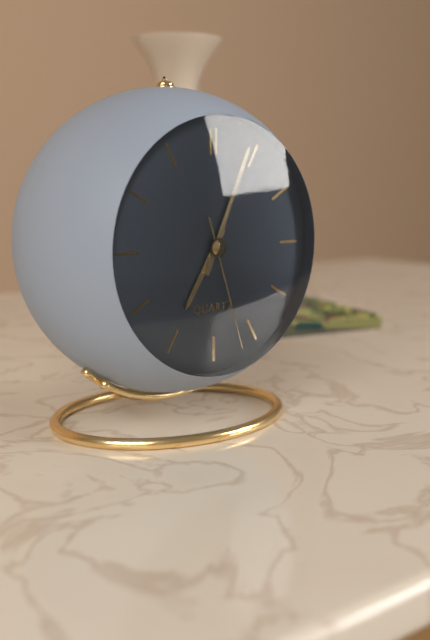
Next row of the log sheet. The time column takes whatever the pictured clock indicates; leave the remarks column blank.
7:04:27
